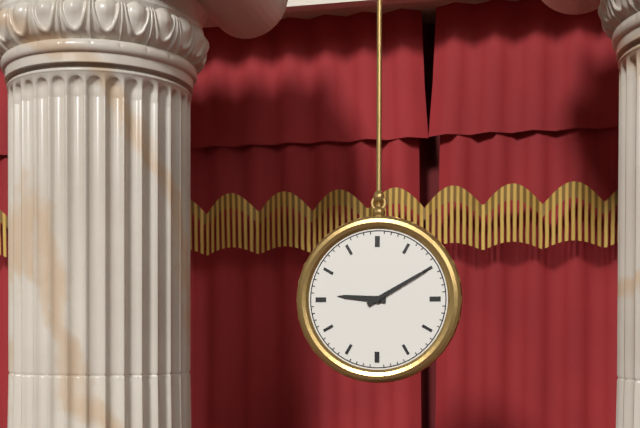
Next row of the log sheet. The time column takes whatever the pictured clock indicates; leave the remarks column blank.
9:10
